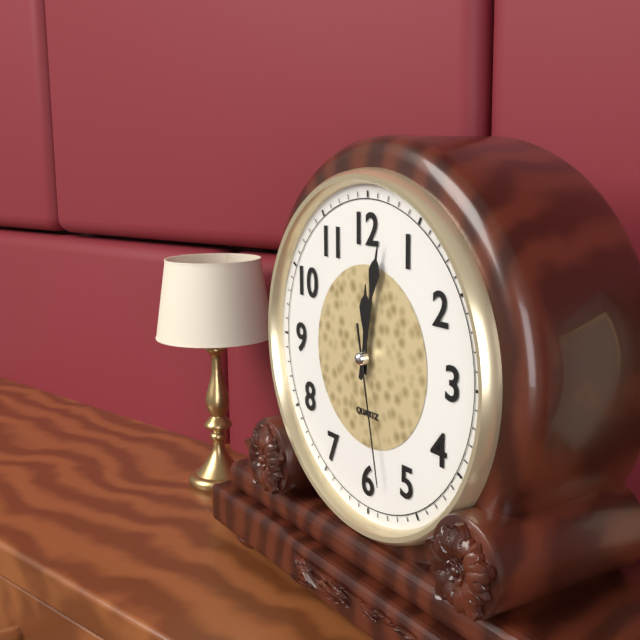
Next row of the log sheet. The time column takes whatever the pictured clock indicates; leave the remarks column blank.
12:02:28
